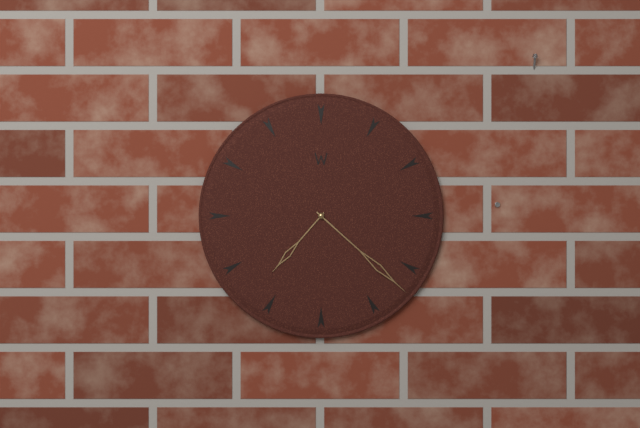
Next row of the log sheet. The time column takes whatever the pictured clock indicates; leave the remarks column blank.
7:22
